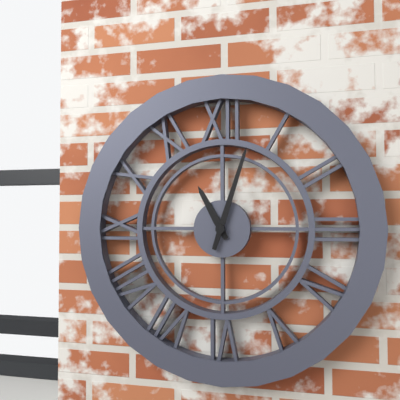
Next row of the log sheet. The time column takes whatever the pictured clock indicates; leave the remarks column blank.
11:03
